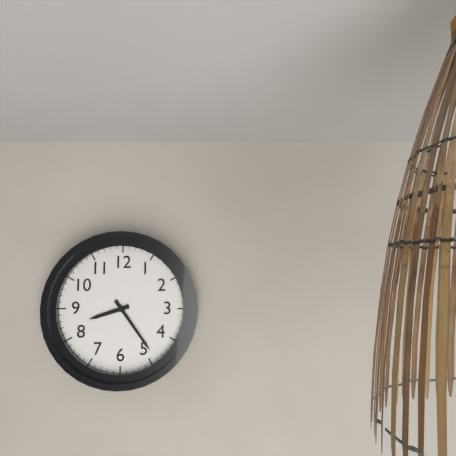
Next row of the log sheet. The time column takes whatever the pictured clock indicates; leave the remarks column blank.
8:24
